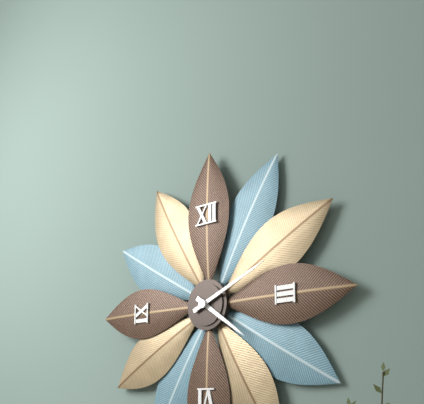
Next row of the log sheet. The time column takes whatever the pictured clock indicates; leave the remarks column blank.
4:11
